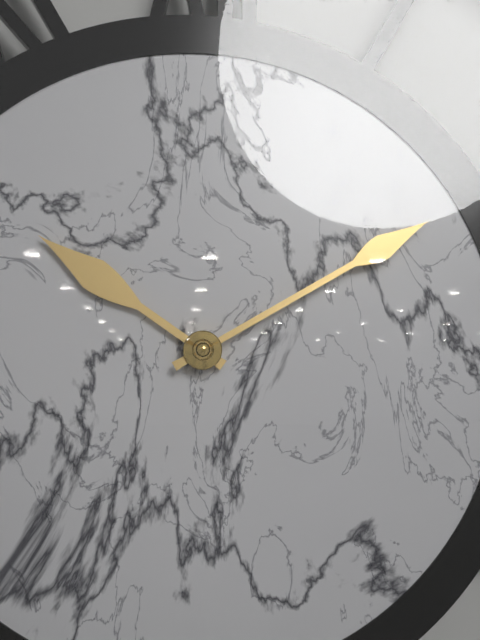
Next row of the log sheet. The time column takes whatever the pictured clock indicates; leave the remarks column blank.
10:10
